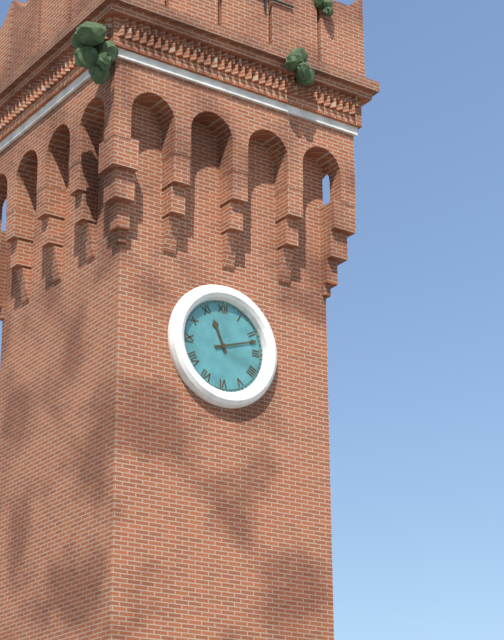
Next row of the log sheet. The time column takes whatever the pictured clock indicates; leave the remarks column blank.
11:12
